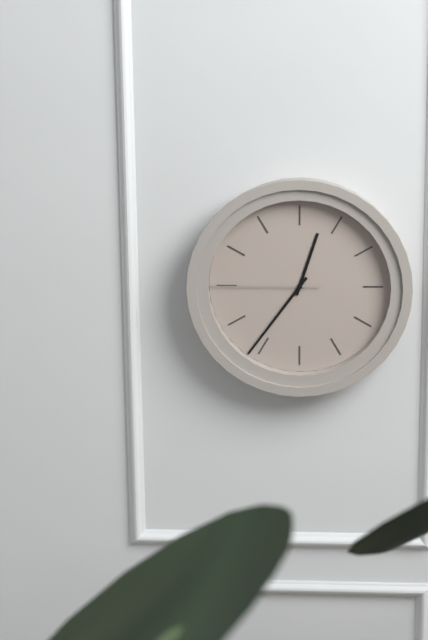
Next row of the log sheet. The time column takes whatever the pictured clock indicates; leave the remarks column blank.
12:36:45
